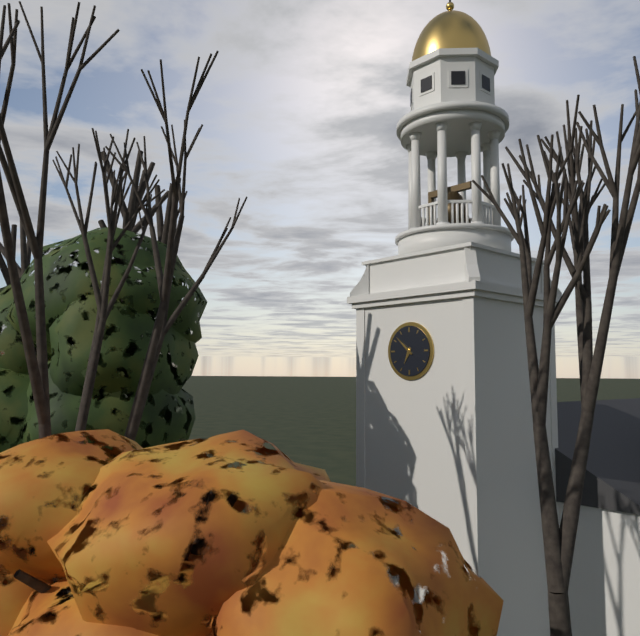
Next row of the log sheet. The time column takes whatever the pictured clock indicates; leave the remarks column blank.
6:52
